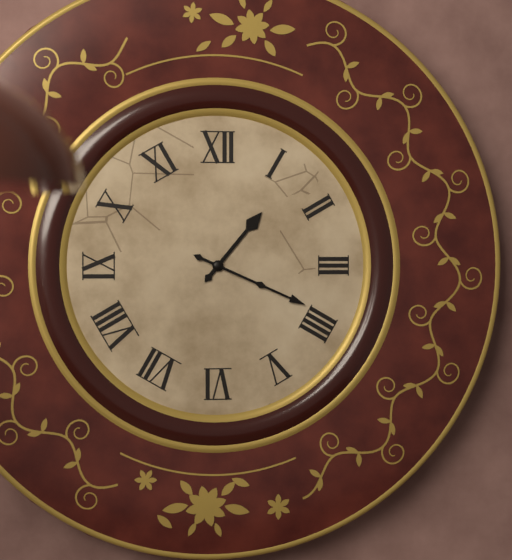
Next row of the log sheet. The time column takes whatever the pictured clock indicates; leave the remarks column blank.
1:19
